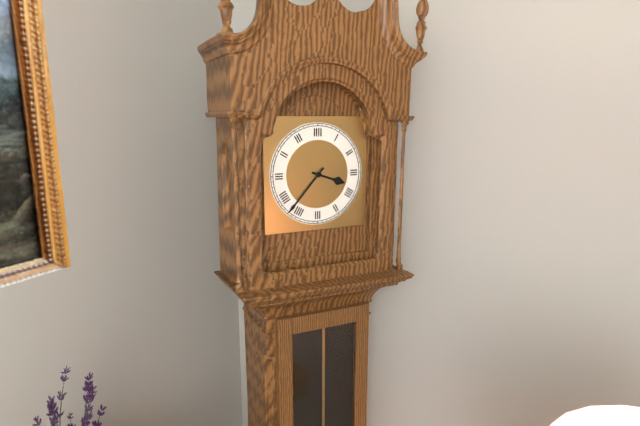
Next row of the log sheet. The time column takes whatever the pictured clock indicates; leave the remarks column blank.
3:37
